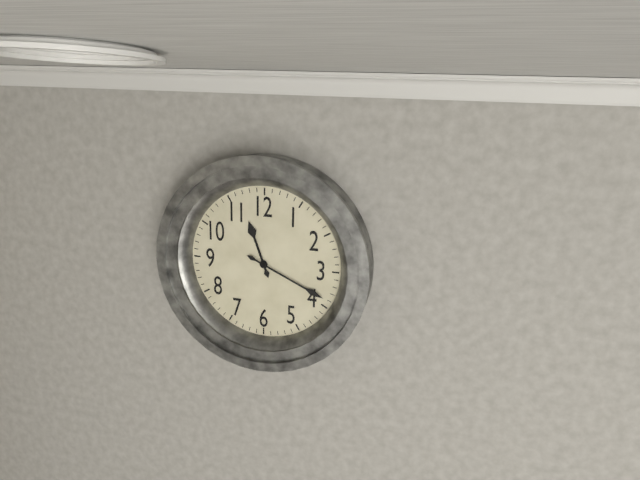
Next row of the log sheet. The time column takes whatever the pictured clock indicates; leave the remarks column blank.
11:19
